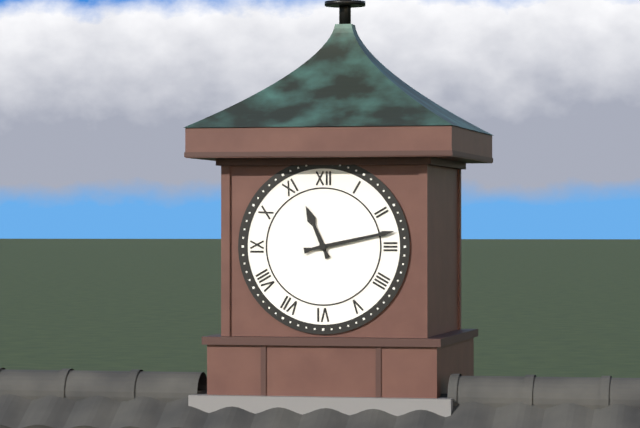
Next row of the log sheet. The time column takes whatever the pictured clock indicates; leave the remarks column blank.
11:13
